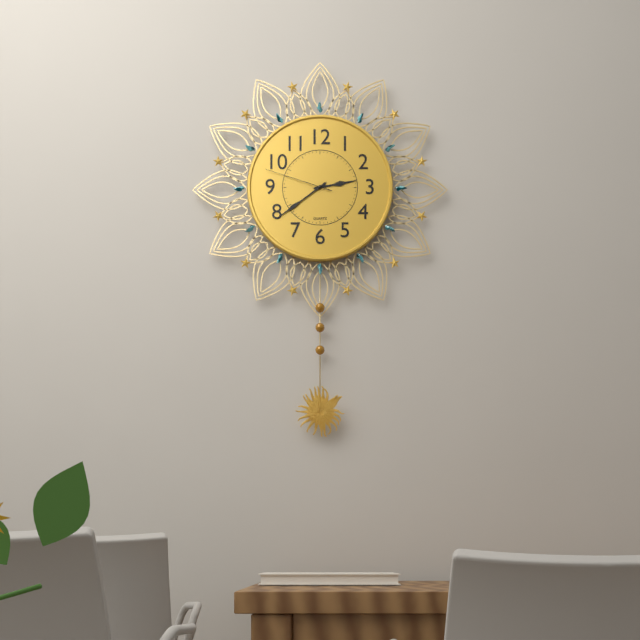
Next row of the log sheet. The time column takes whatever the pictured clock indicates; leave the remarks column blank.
2:39:48
